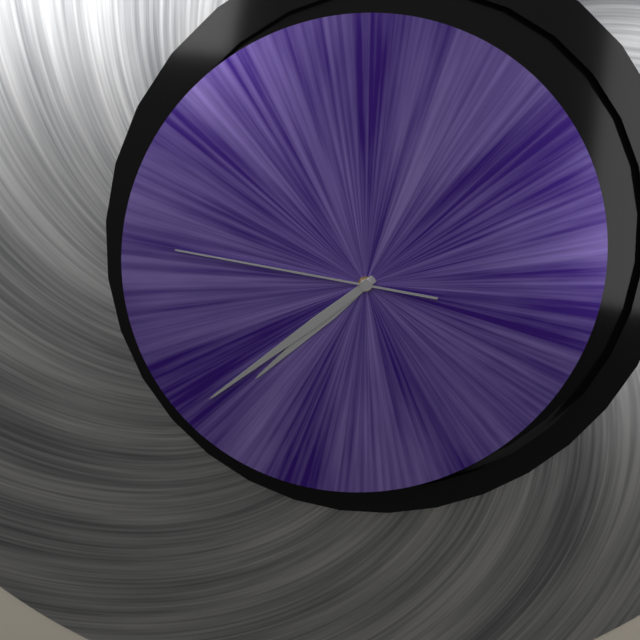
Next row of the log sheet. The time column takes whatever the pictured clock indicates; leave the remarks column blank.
7:39:47
